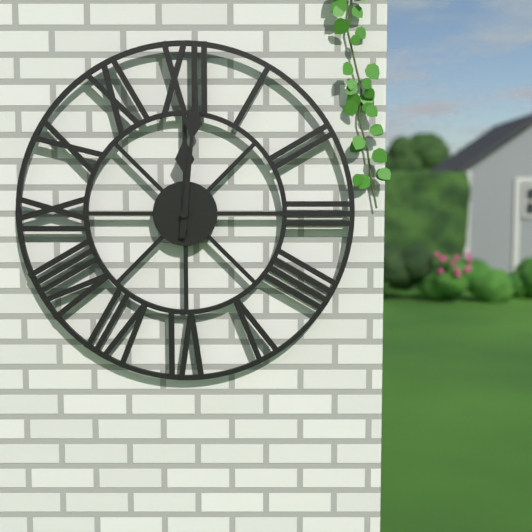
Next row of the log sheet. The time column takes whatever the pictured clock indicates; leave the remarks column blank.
12:01
